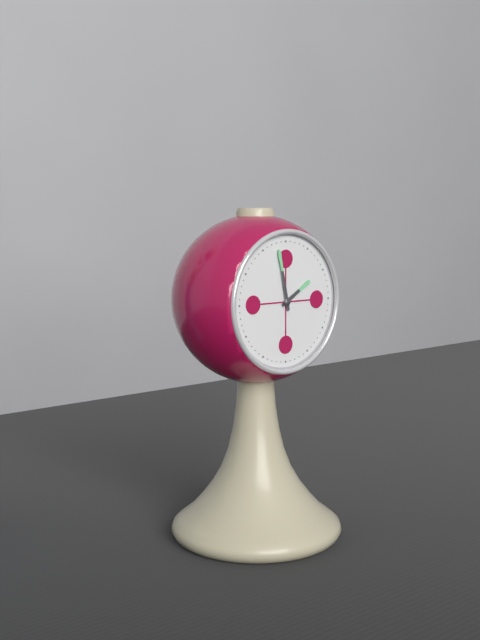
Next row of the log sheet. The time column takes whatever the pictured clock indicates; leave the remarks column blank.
1:58
